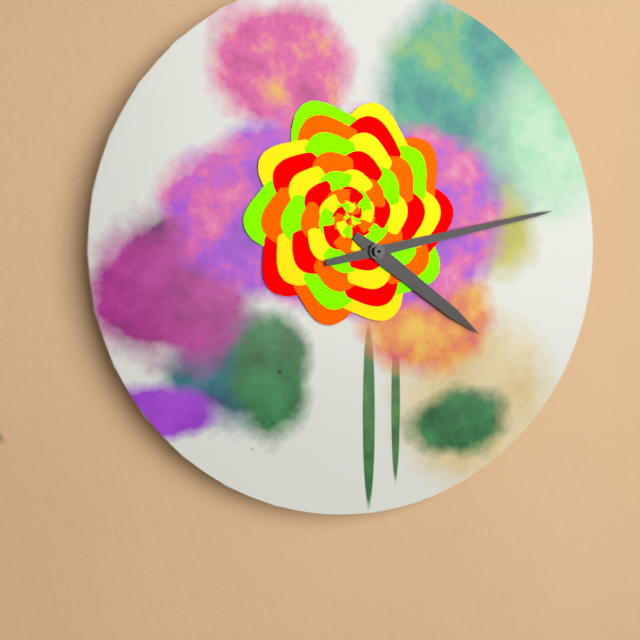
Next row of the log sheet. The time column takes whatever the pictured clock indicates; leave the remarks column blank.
4:13
